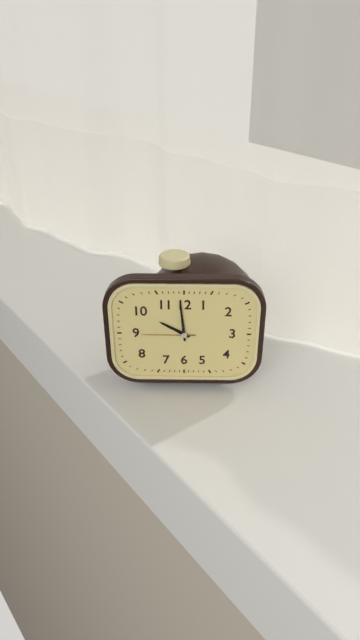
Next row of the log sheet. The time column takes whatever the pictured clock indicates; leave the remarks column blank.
9:59:45
